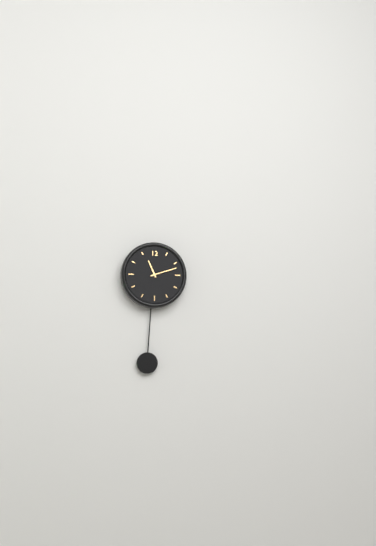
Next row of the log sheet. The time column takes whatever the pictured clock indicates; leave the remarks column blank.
11:12
